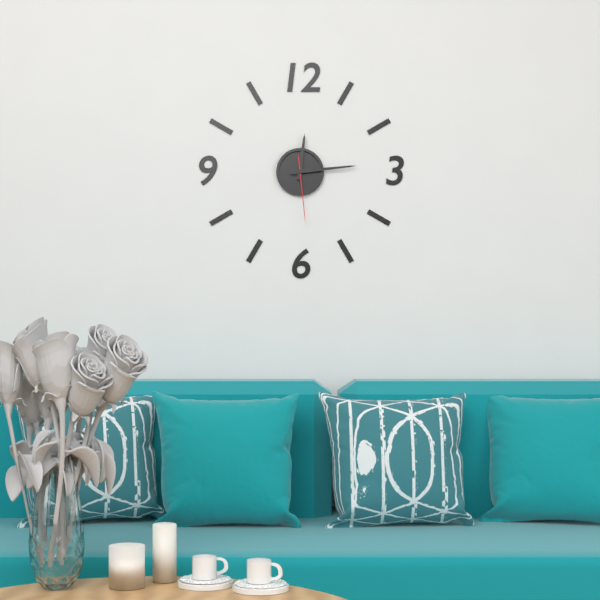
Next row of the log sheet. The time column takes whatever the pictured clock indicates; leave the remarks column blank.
12:14:29
